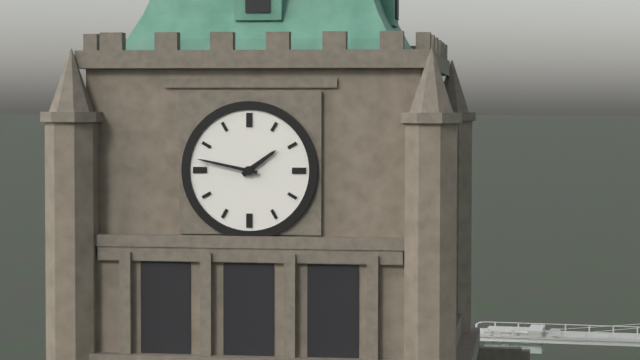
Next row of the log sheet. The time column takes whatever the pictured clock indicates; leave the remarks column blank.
1:47
